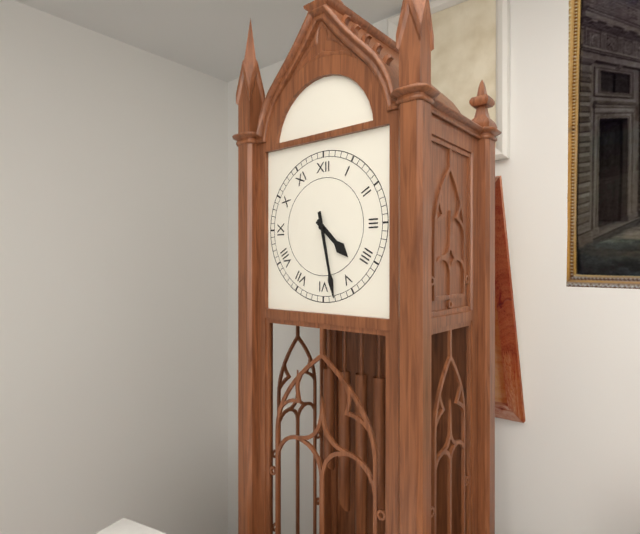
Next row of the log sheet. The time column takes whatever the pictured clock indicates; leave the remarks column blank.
4:28
